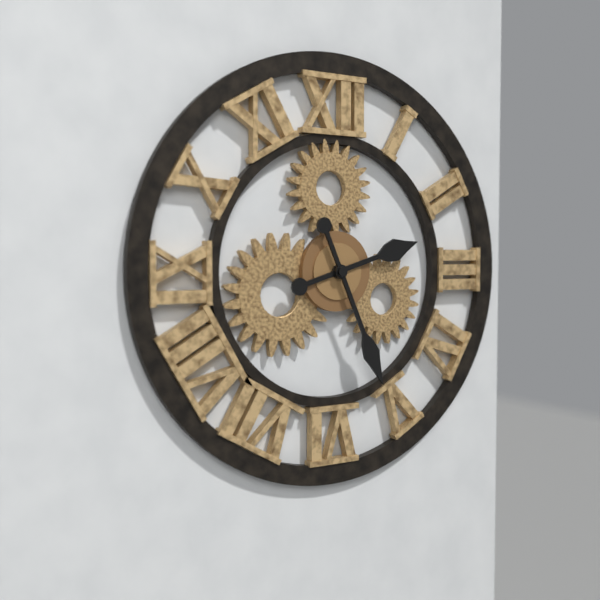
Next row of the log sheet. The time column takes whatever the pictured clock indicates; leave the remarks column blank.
2:26
